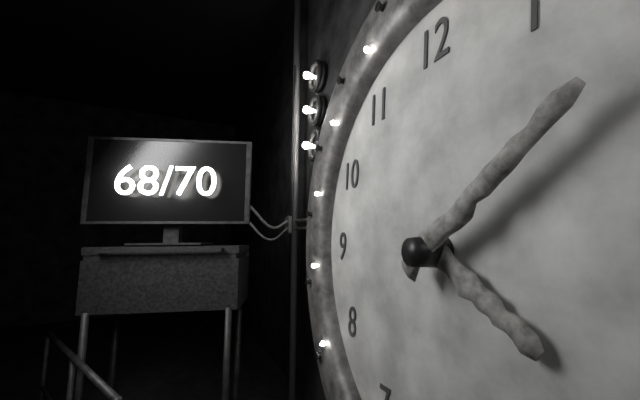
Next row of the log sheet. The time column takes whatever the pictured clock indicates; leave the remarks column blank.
4:09
